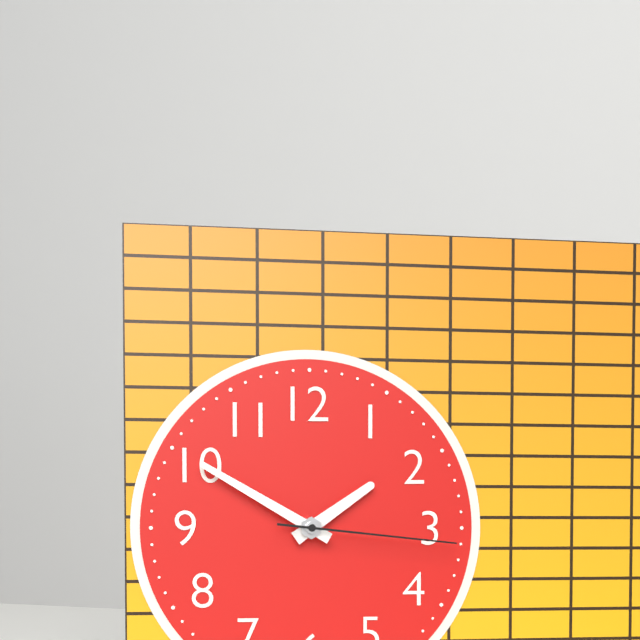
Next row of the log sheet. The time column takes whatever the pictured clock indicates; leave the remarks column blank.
1:50:16
